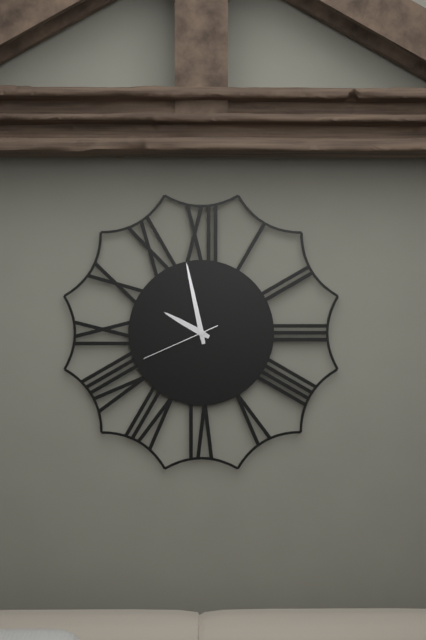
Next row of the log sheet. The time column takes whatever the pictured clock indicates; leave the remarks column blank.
9:58:41
